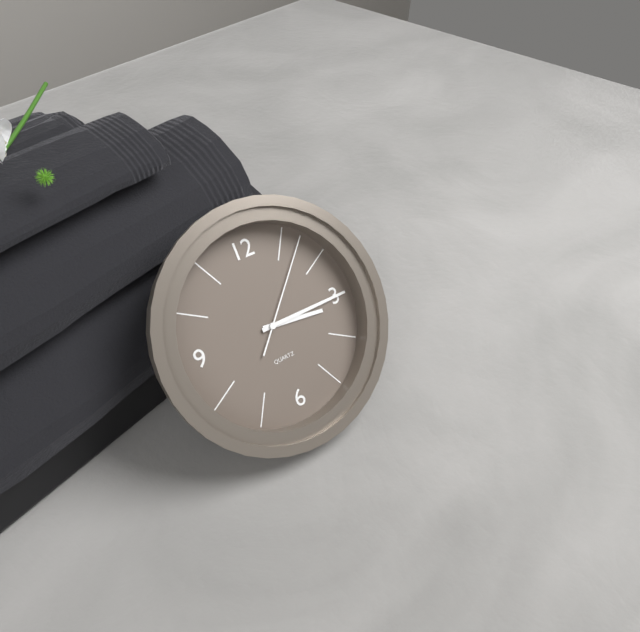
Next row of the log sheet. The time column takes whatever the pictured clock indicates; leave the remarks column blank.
3:15:07
